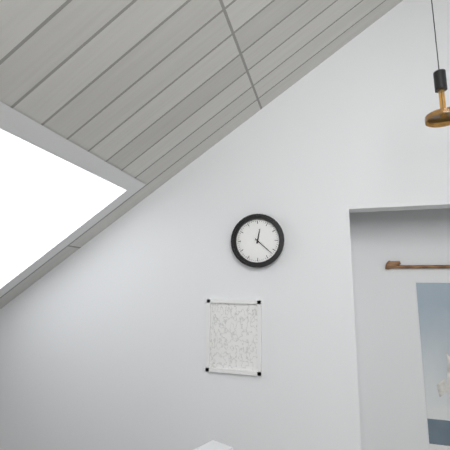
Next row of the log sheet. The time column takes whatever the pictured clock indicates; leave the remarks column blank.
12:22
